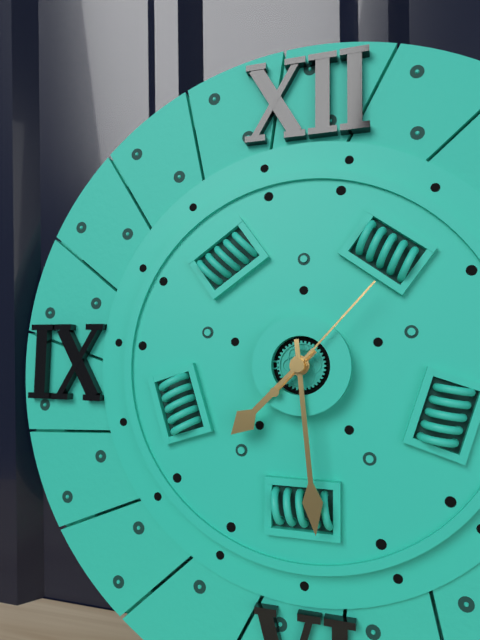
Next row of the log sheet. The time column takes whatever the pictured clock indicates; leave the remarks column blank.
7:29:07
